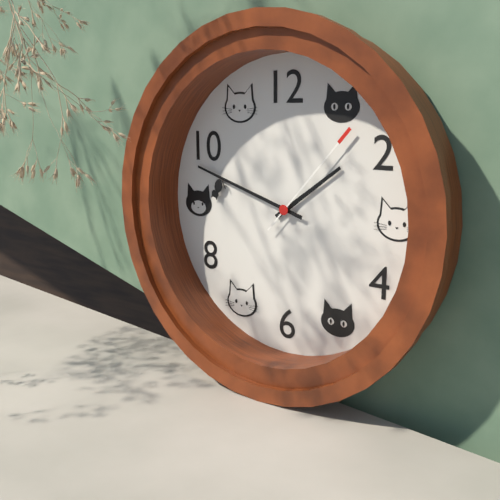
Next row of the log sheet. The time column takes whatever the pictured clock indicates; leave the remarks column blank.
1:48:07
